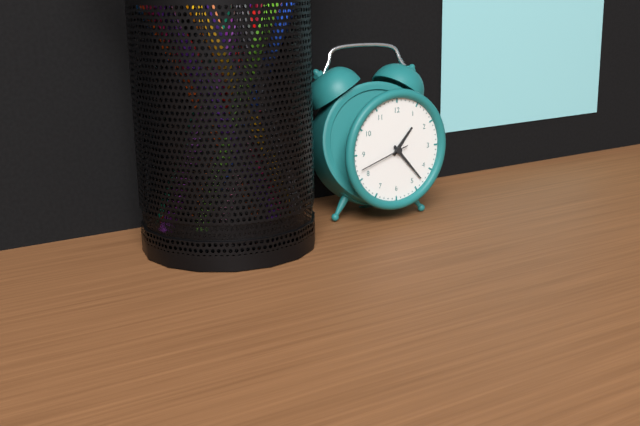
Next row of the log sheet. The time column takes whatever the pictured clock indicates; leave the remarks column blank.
1:23:42
